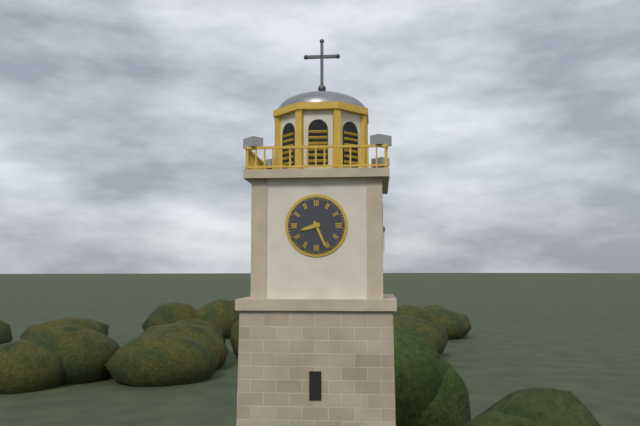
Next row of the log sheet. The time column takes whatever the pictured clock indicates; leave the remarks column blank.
8:26
